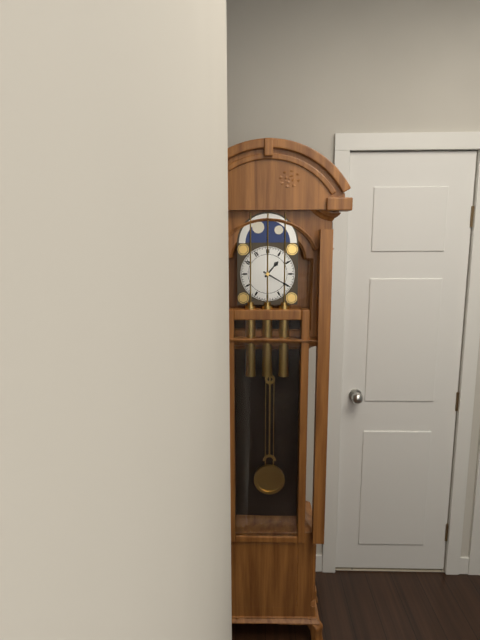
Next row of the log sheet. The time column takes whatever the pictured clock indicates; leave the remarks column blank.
1:20
